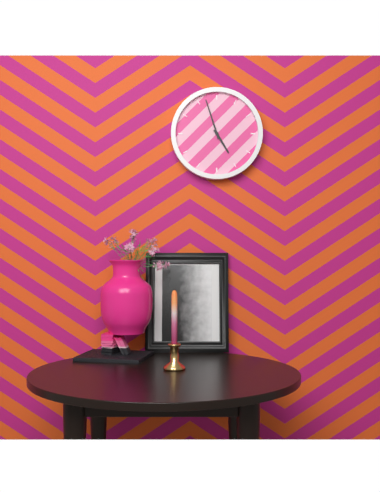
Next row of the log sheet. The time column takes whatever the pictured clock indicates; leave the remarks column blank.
4:57
